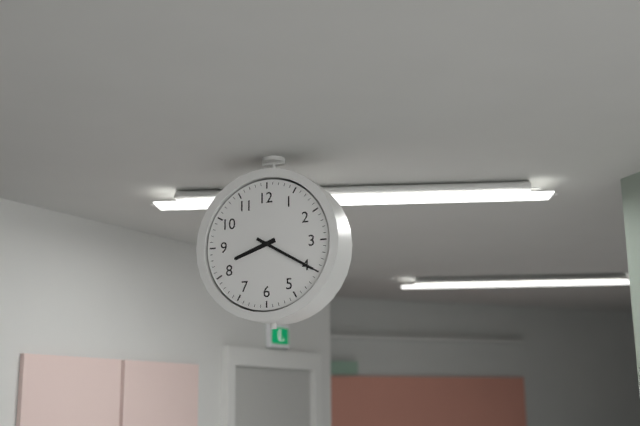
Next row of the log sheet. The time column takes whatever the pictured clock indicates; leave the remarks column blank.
8:20
